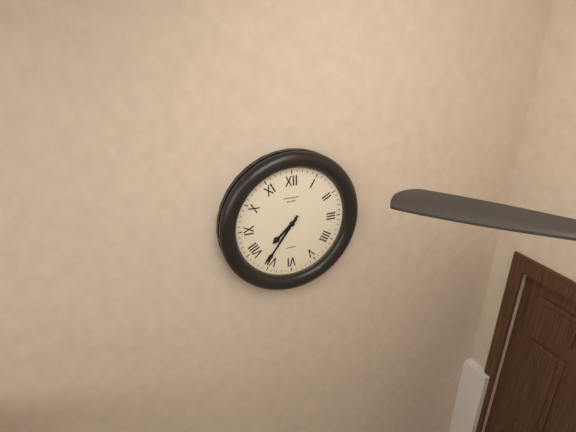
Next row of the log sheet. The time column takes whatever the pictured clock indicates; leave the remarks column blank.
7:36
